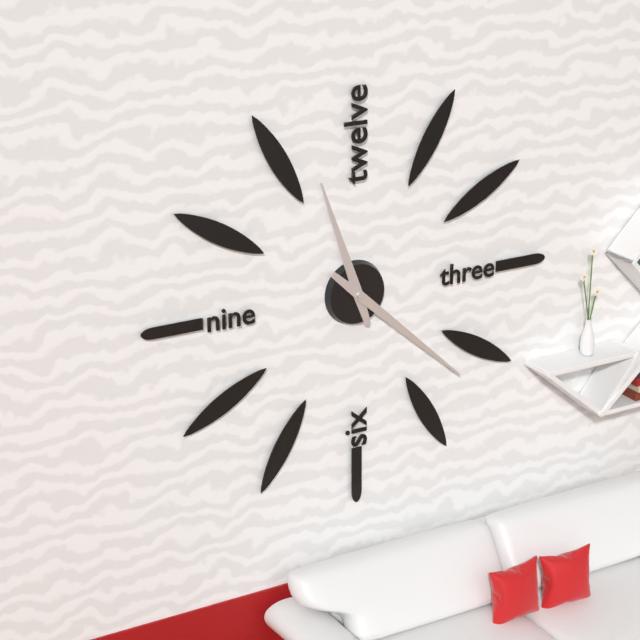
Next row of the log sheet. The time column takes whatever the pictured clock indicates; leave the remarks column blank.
11:22
